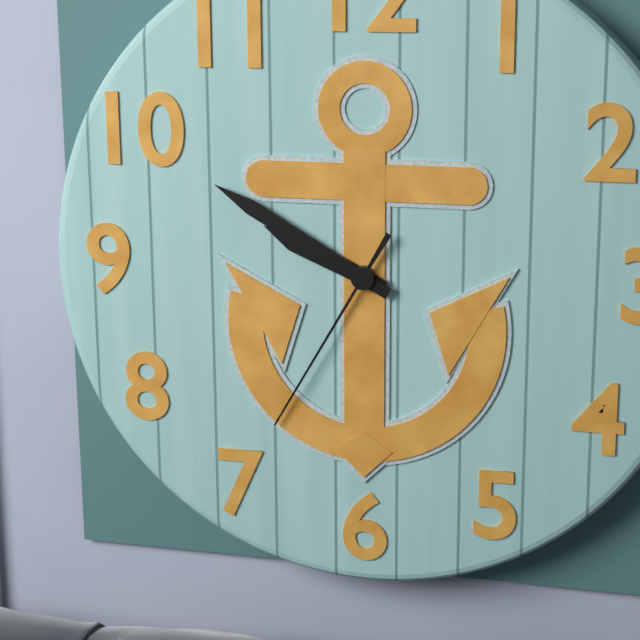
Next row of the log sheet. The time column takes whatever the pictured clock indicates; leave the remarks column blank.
9:50:35
